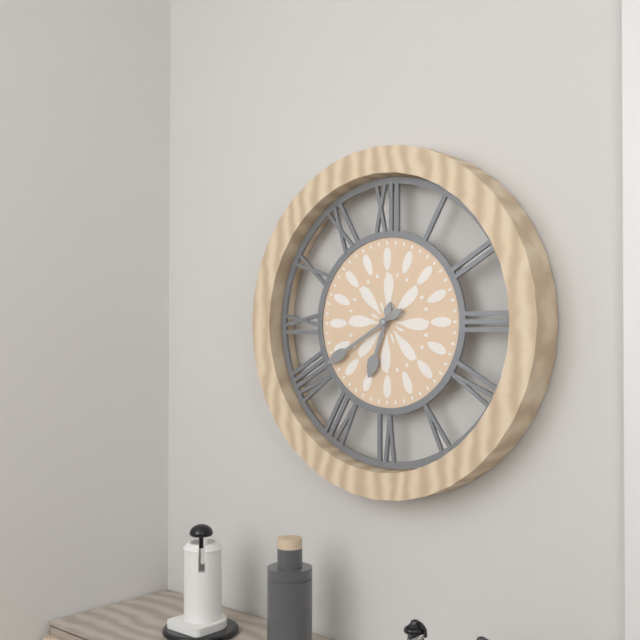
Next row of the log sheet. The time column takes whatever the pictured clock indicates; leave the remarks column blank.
6:40
